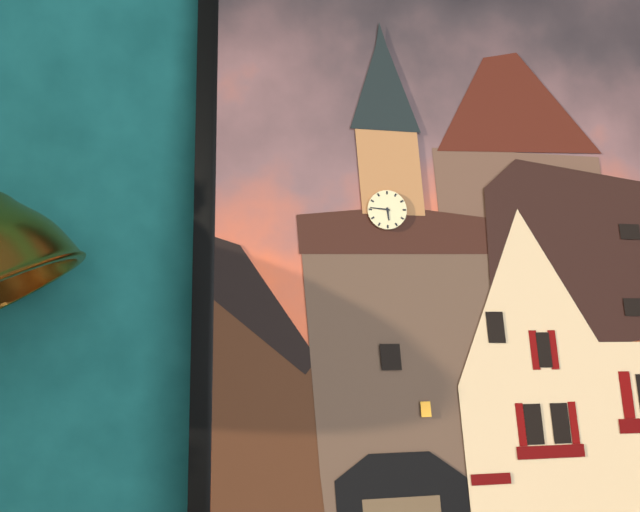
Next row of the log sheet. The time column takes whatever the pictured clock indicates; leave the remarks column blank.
5:46
